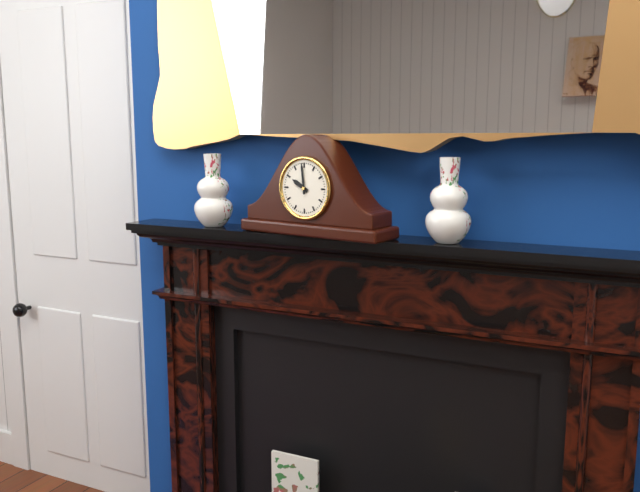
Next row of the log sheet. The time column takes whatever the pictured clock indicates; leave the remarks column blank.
9:59
